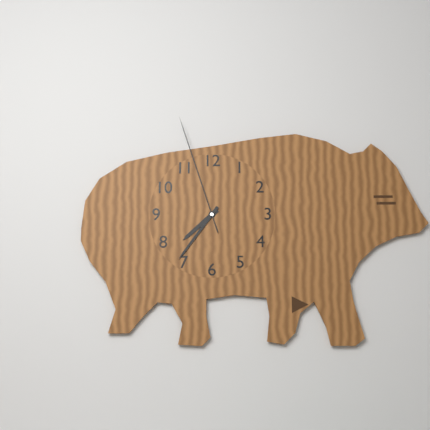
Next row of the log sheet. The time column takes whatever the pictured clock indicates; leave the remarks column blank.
7:36:57
